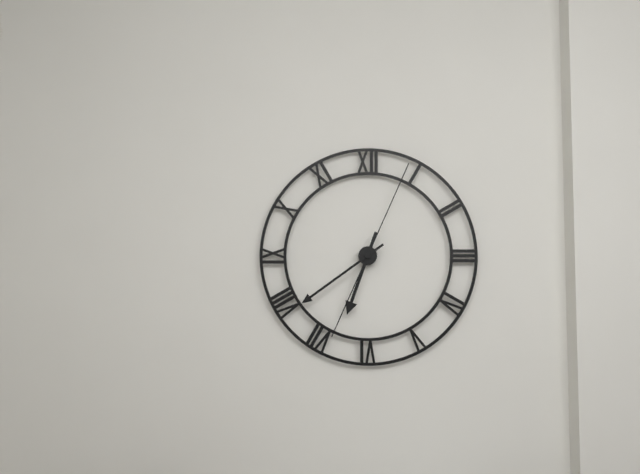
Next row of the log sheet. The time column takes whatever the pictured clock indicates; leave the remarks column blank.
6:39:04
